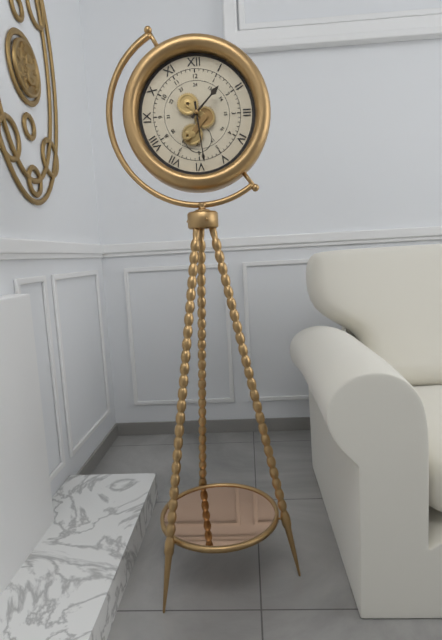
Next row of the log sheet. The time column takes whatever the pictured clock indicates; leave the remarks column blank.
1:29
